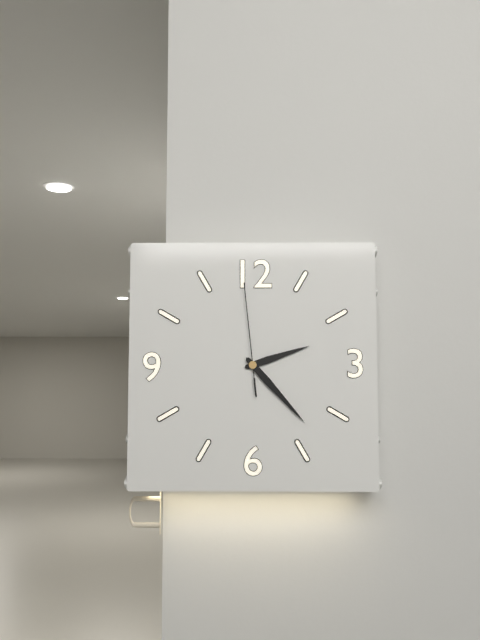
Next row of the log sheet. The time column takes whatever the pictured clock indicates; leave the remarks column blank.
2:23:59
